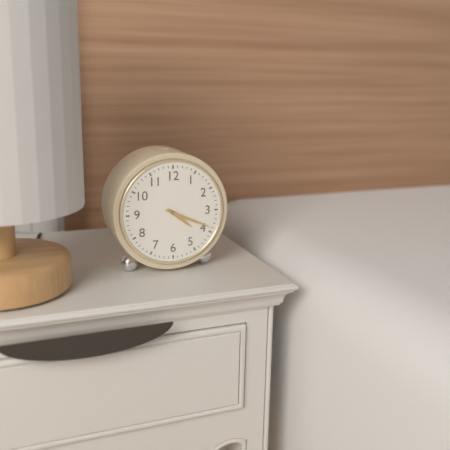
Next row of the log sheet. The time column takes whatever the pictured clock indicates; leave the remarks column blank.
4:19
